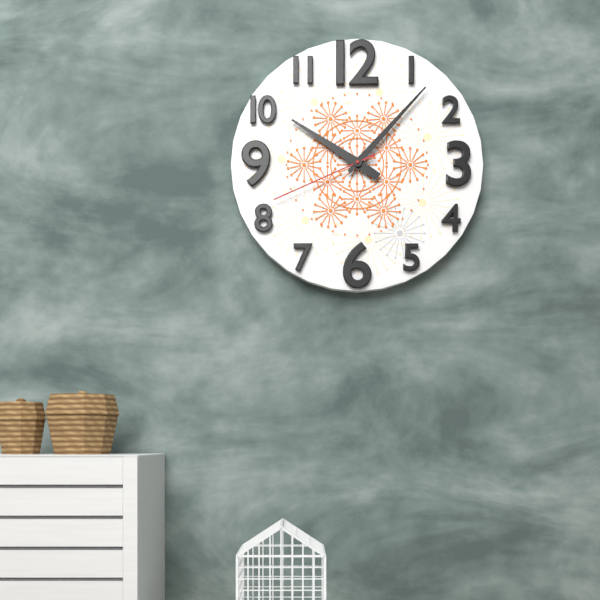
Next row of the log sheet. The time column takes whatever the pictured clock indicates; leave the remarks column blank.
10:07:41
